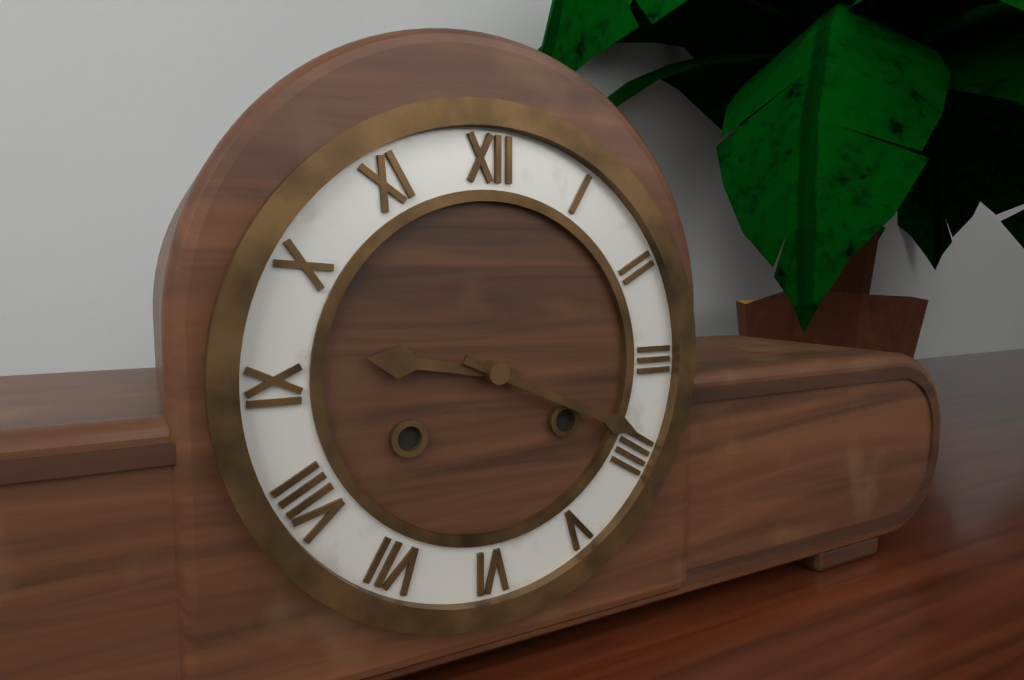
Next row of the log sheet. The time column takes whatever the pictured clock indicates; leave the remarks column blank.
9:19
